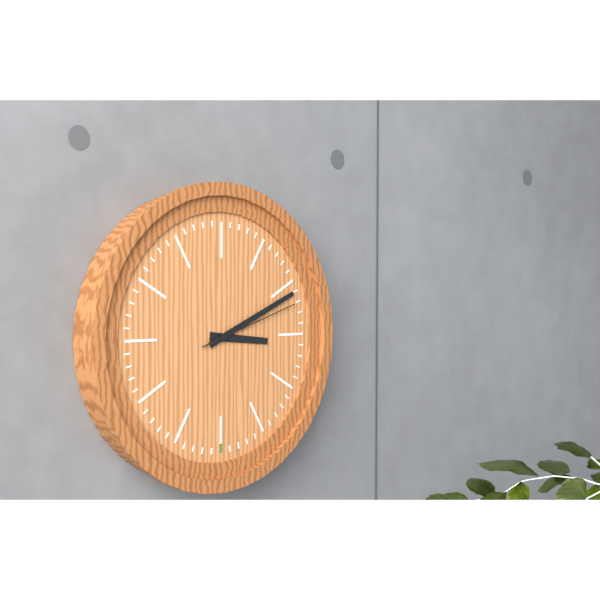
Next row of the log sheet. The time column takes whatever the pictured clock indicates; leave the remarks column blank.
3:11:12
